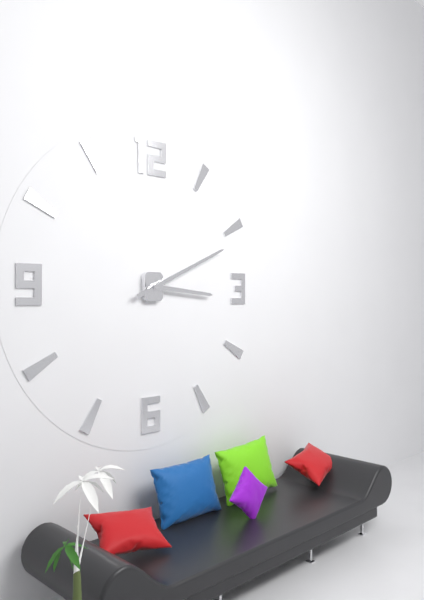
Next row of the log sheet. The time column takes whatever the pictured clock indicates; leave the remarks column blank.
3:11
